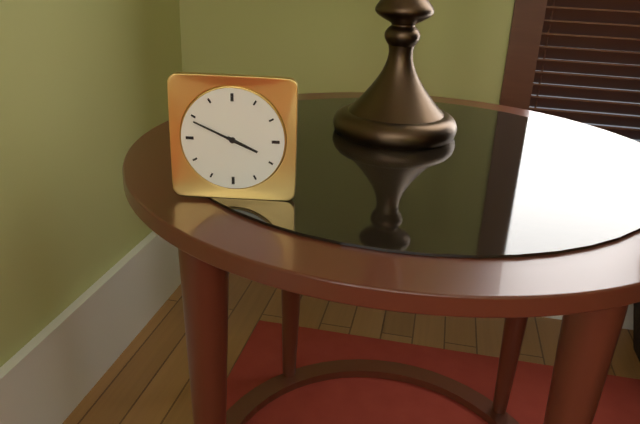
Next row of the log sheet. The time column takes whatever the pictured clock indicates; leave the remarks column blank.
3:49
